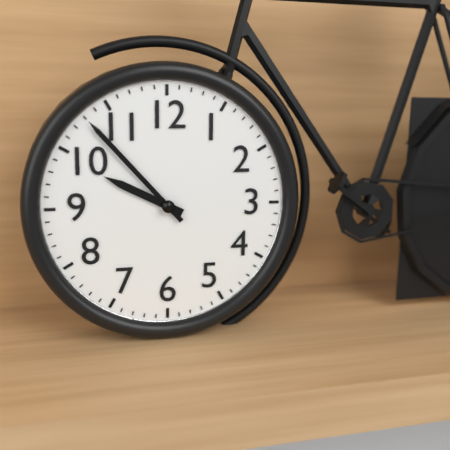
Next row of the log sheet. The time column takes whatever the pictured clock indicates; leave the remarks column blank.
9:53
